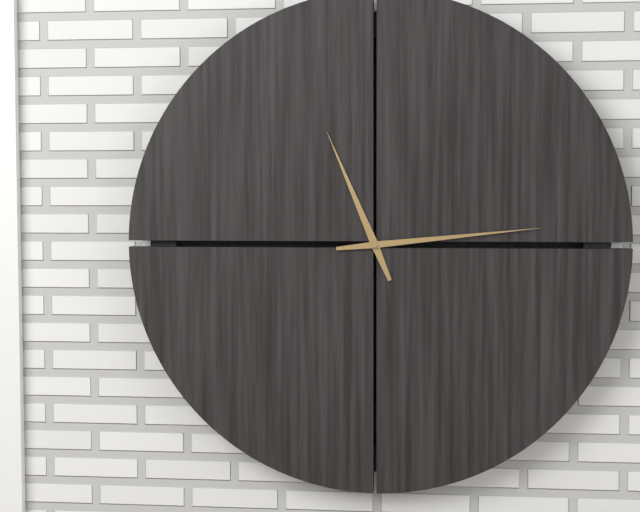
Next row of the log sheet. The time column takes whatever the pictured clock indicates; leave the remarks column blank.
11:14
